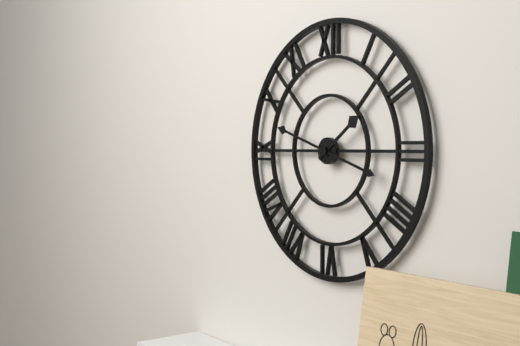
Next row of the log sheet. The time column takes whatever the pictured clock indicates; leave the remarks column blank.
1:48
